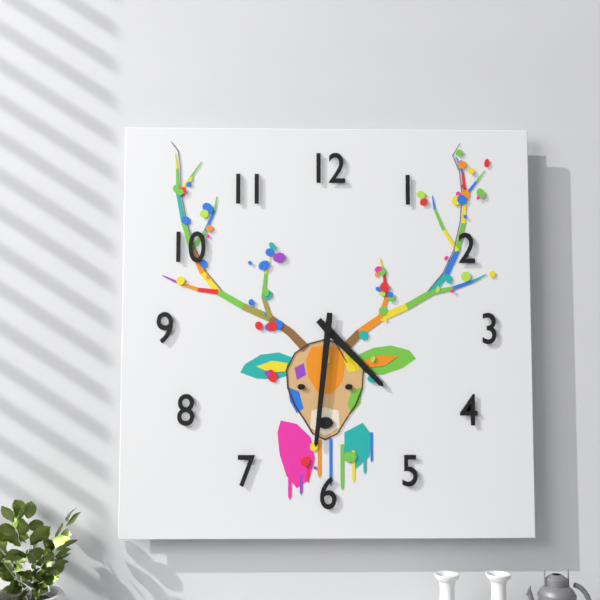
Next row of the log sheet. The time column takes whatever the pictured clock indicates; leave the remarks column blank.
4:31
